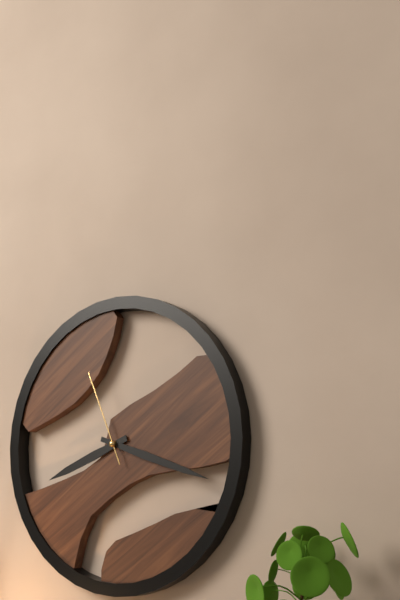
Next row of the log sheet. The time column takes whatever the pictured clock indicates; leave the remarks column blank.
8:18:56
